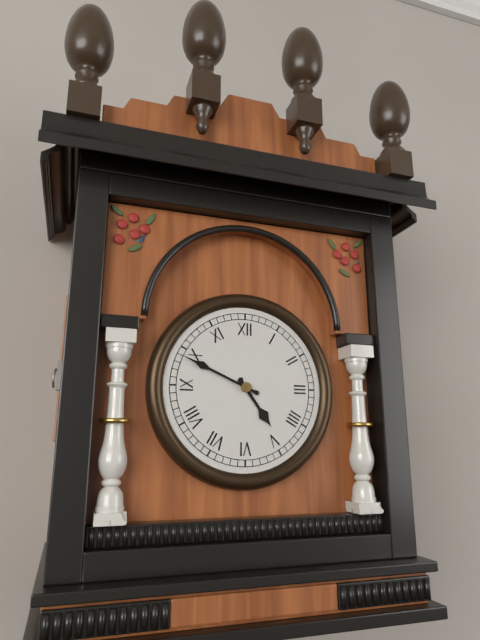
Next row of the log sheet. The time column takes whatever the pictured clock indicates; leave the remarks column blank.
4:49
